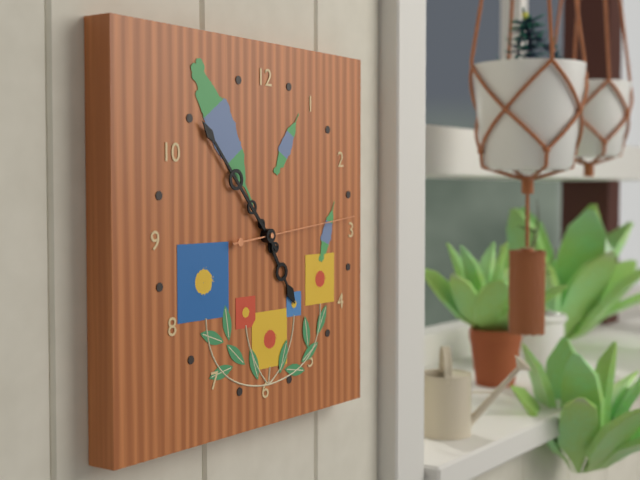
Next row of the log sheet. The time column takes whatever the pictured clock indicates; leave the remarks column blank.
4:53:14
